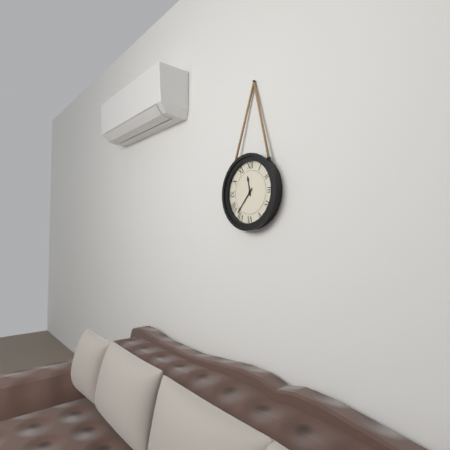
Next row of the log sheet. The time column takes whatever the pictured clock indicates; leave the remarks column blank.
11:37
